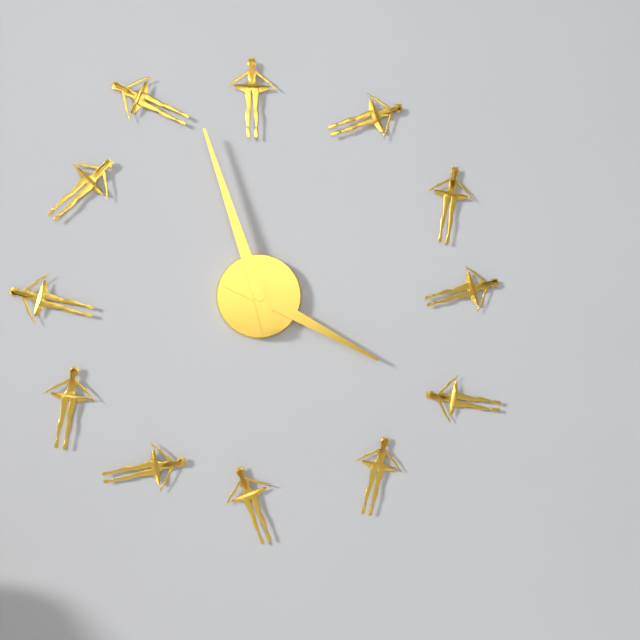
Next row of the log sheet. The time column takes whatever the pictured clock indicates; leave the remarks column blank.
3:57
